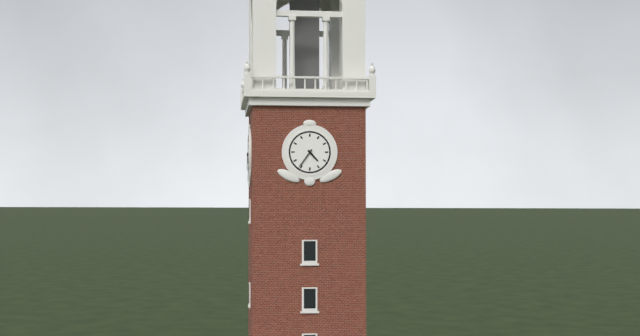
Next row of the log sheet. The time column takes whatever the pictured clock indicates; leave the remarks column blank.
4:36
